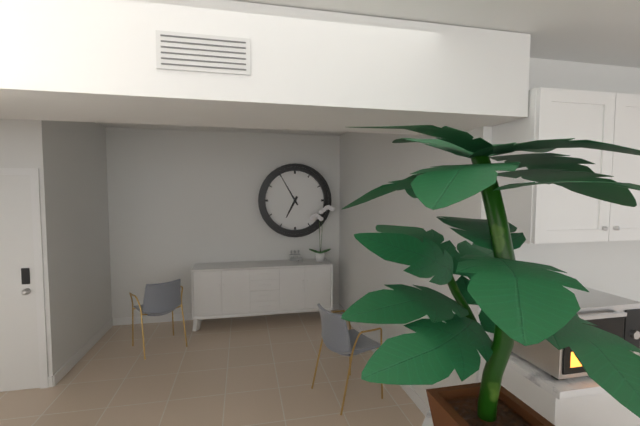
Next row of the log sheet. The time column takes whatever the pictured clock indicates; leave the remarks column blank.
6:55
